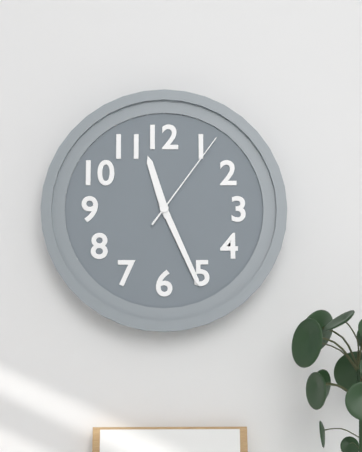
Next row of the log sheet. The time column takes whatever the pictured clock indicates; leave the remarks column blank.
11:26:06
